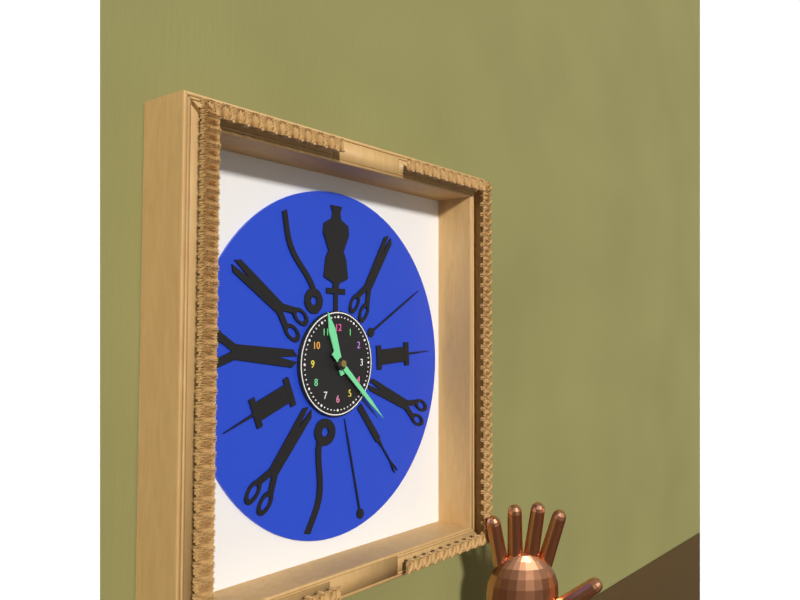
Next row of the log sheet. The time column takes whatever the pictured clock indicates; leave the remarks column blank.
11:22
